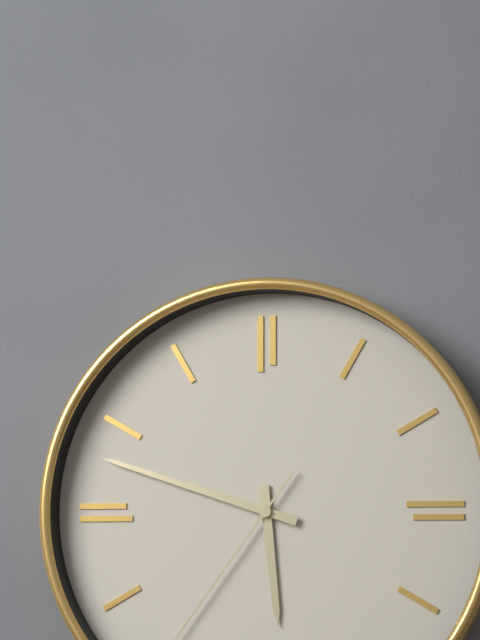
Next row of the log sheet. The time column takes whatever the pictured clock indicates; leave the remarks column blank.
5:48
